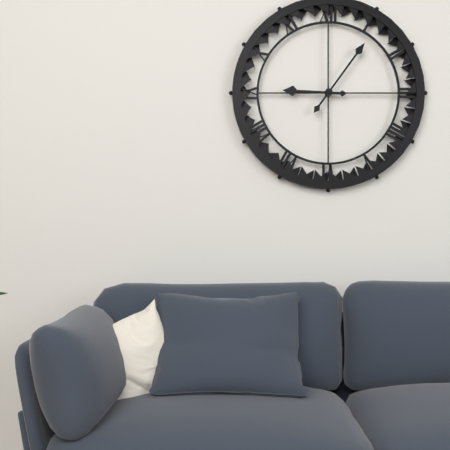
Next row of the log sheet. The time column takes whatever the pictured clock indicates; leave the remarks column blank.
9:06
